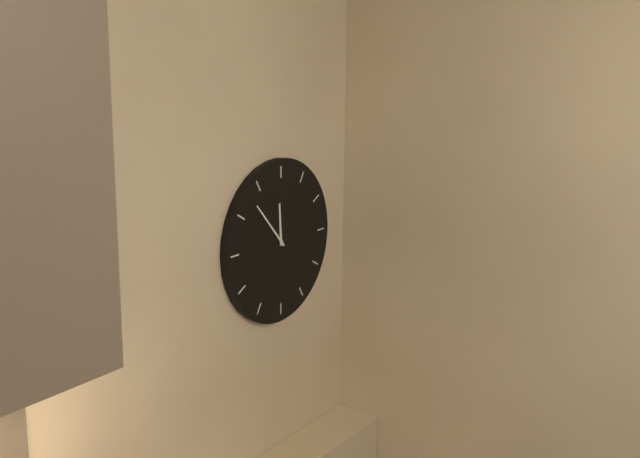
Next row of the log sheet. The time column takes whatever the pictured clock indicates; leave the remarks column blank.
11:53
